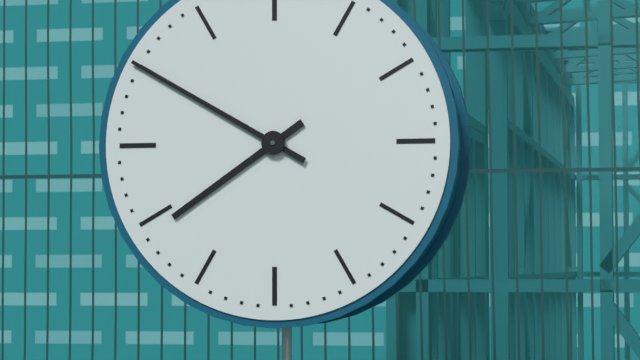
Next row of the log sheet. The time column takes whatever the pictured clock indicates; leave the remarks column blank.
7:50
